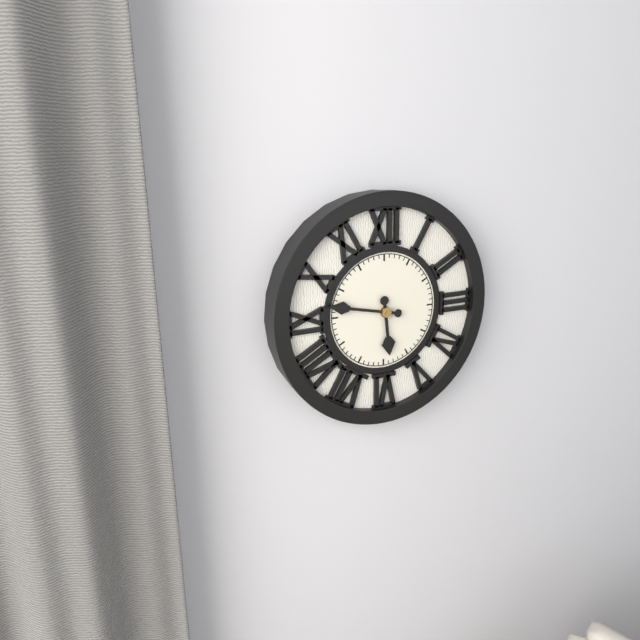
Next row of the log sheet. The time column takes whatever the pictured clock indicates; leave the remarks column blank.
5:47
